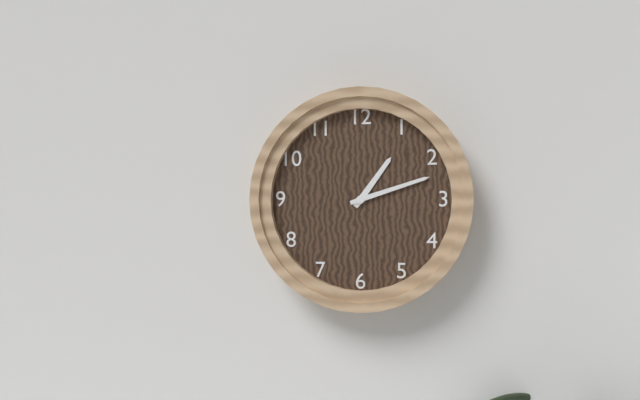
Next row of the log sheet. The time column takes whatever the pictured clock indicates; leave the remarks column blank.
1:12
